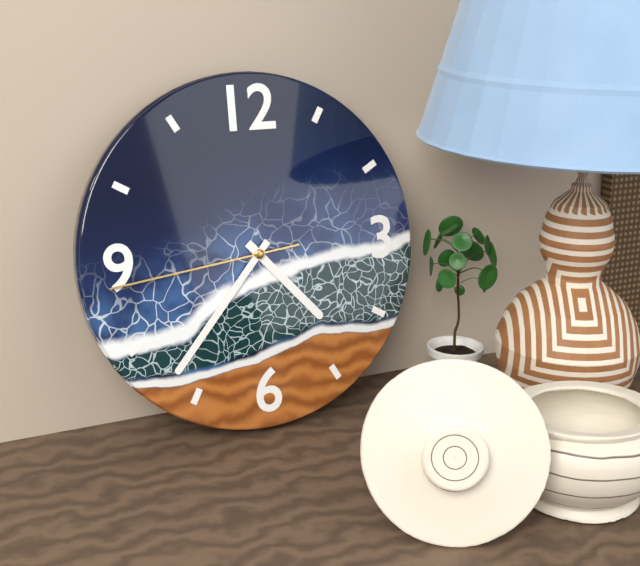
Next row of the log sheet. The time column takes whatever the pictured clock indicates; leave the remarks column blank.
4:37:44
